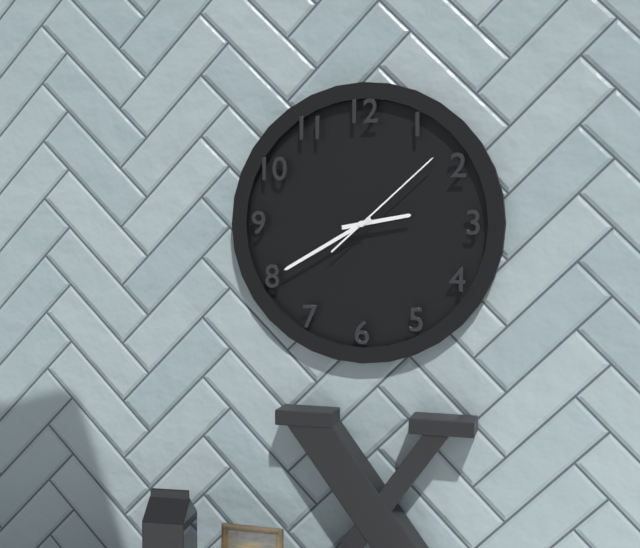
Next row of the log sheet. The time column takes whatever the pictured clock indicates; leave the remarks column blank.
2:40:08
